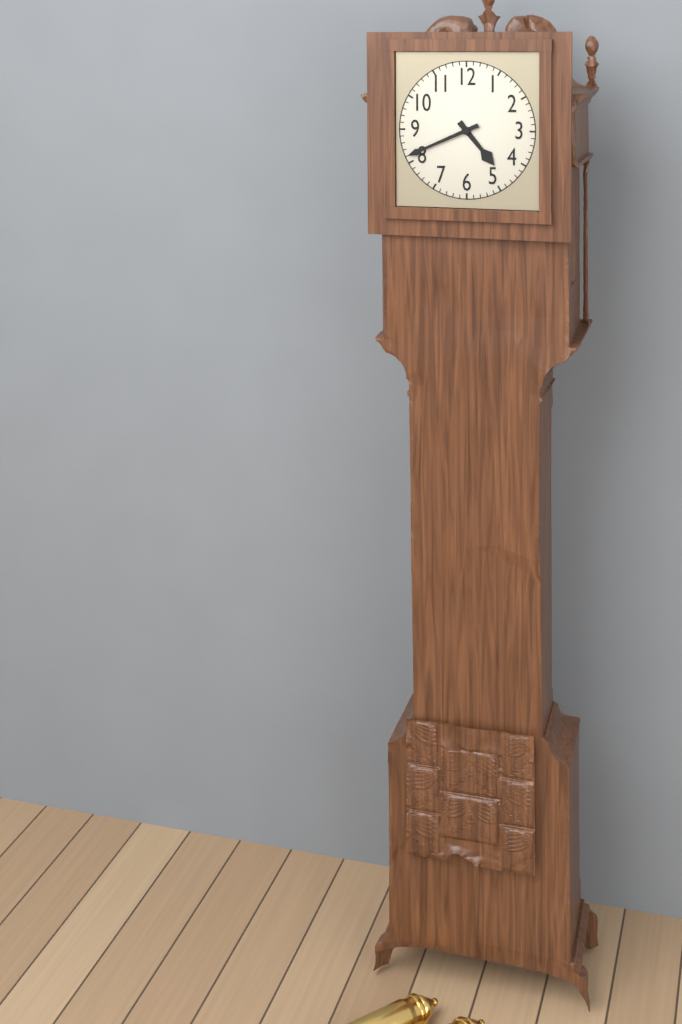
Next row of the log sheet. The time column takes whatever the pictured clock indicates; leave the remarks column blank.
4:41
